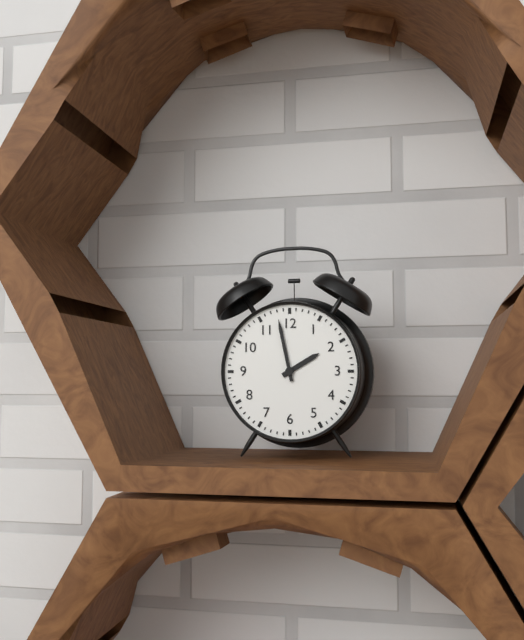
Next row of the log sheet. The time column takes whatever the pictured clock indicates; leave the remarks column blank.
1:58
